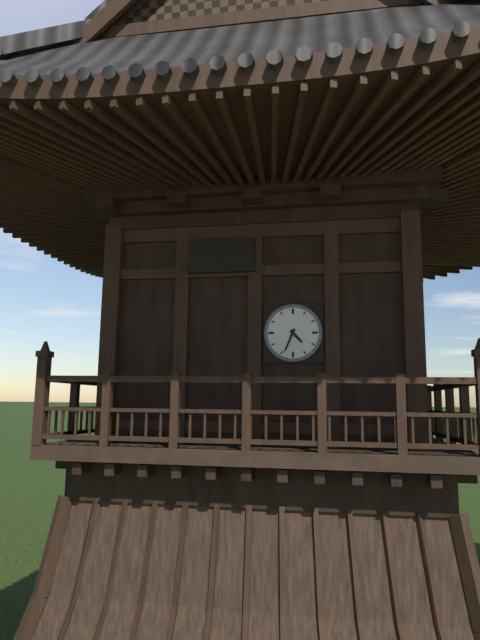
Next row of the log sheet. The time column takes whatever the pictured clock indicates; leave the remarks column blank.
4:34
